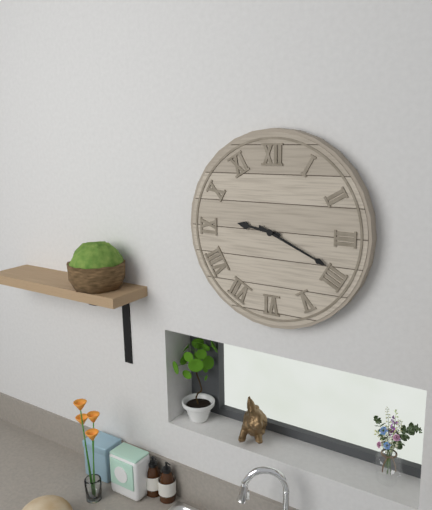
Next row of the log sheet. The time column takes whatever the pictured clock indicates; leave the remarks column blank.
9:19
